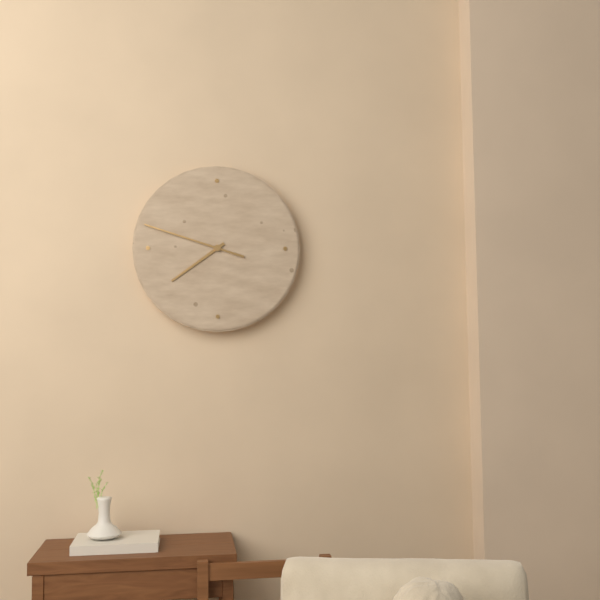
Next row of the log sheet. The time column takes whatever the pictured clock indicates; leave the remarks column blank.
7:48
